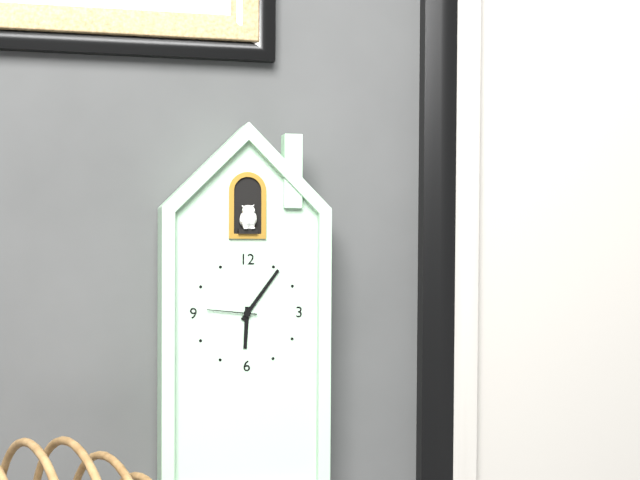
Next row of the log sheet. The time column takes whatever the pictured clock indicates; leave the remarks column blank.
6:06:46
